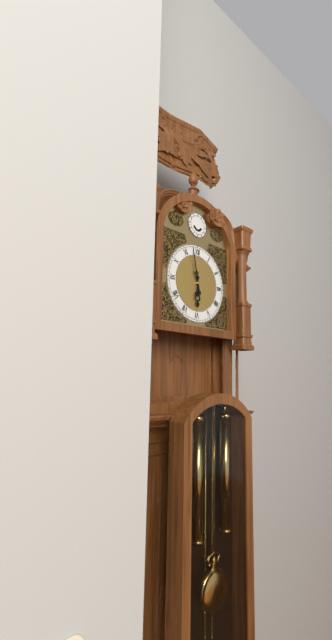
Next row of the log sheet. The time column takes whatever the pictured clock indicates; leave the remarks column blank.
5:58
